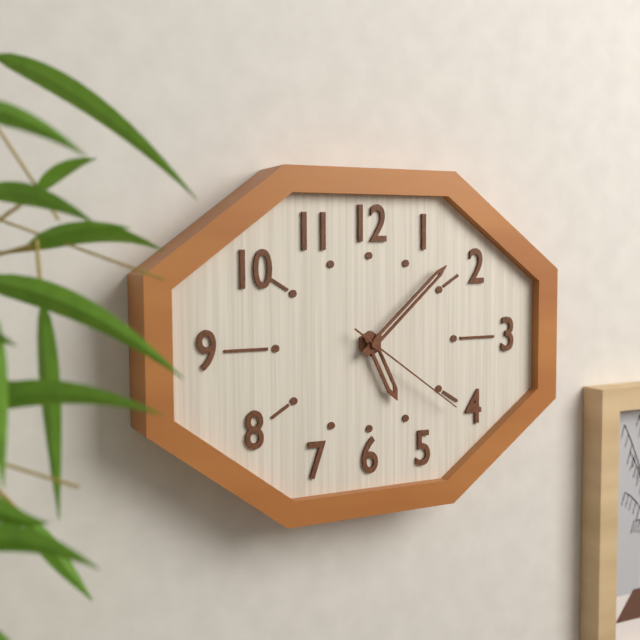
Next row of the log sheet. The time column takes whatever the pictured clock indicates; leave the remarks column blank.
5:08:21
